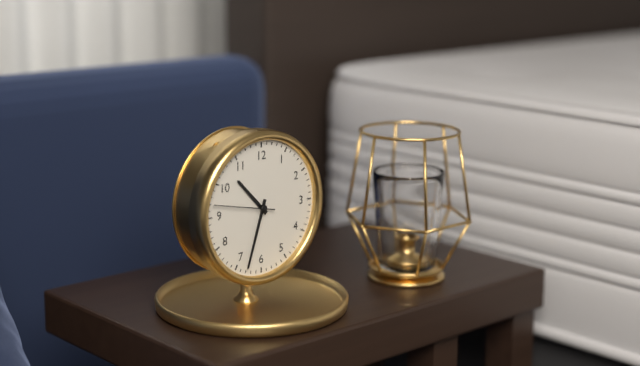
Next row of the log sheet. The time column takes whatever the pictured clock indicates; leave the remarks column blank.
10:33:47
